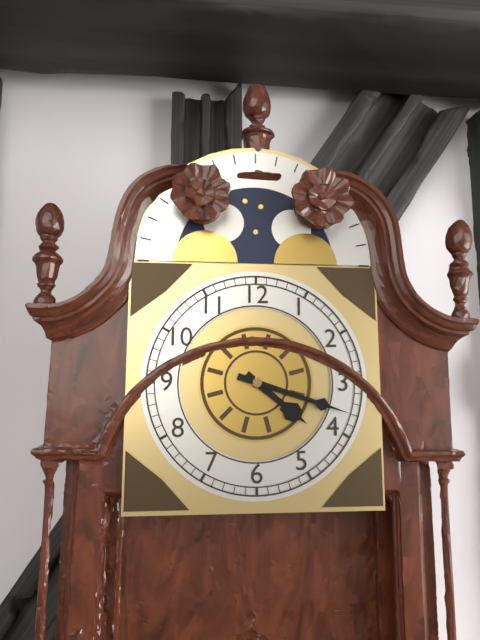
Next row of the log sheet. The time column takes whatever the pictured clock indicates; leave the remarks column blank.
4:18
